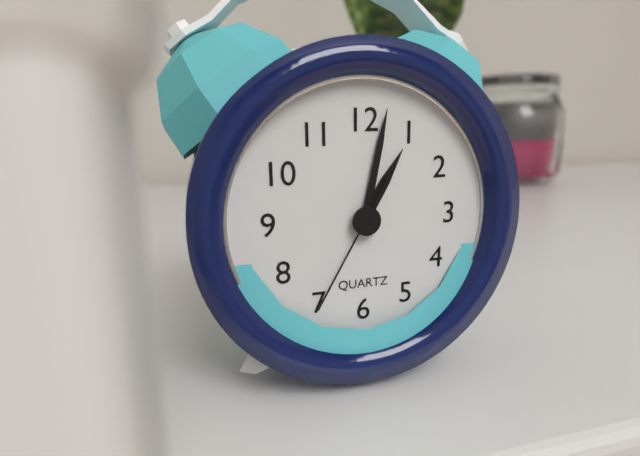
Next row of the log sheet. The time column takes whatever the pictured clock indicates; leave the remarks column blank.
1:02:35
